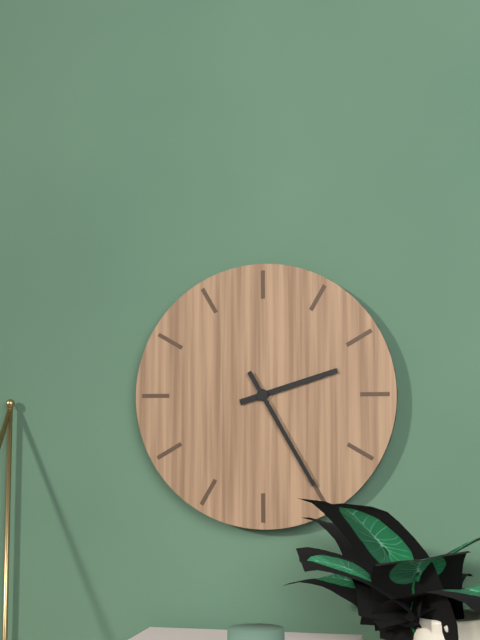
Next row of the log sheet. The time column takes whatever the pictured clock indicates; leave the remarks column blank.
2:25
